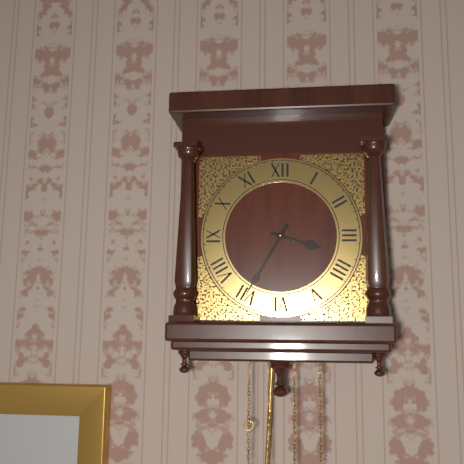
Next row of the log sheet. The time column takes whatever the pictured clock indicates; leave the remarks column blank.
3:35
